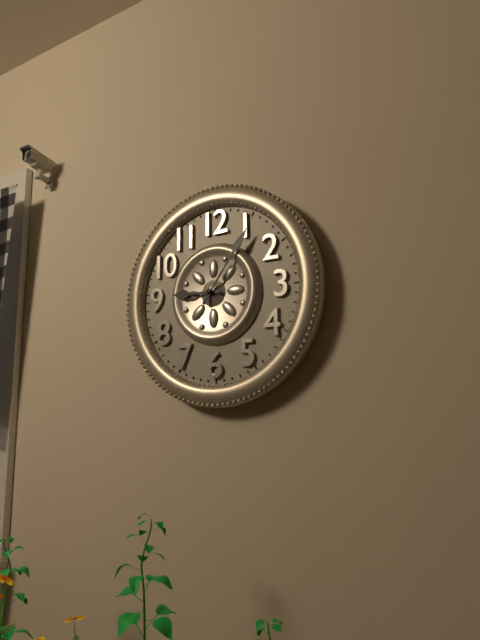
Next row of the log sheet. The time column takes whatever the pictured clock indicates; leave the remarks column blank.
9:06
